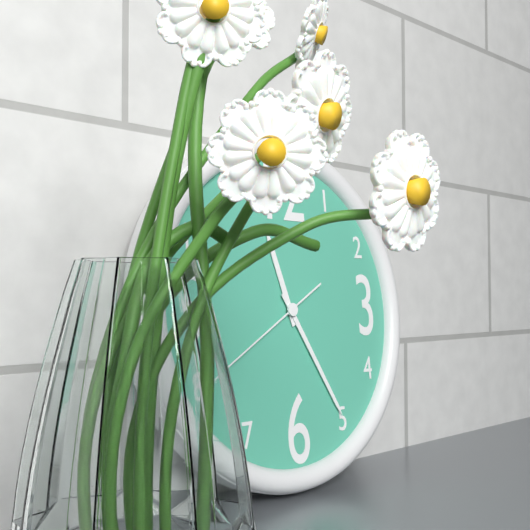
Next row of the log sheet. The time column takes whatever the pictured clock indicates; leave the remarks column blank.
11:25:40
